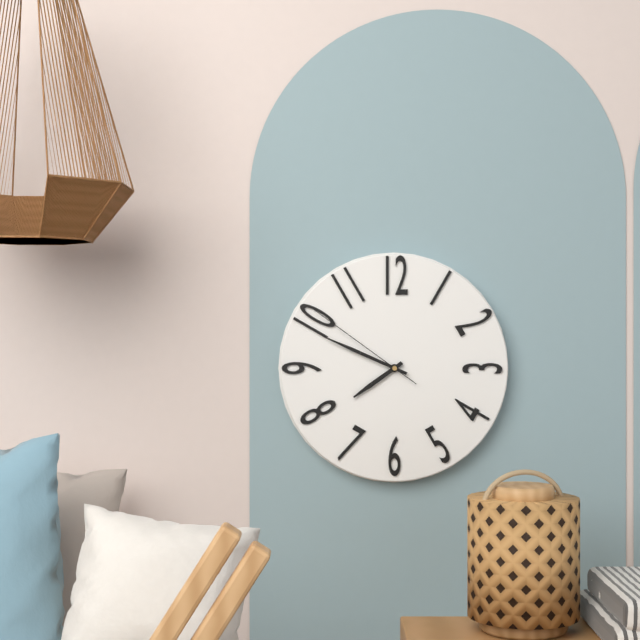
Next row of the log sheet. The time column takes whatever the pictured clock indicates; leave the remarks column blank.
7:49:51
